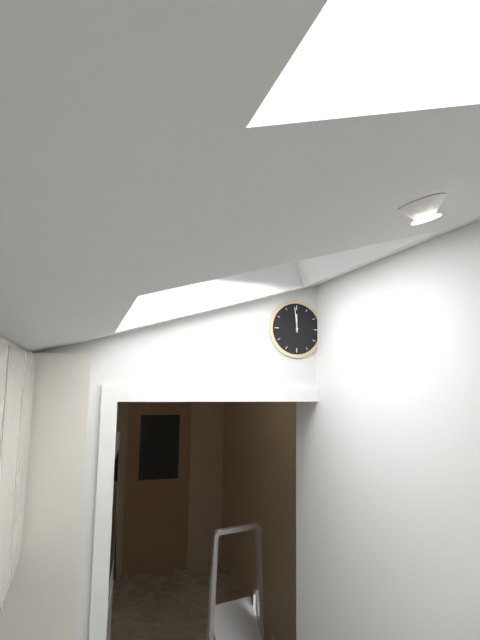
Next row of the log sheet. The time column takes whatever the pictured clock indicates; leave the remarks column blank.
11:59
